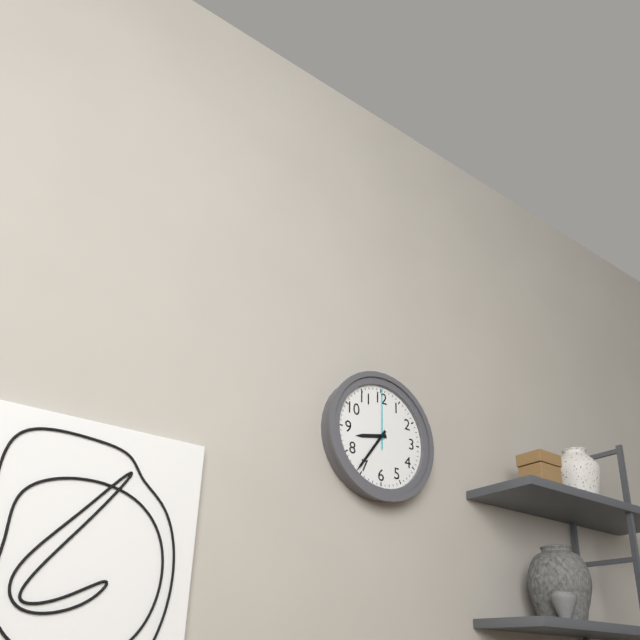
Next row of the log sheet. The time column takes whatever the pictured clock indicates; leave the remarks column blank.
8:36:00
